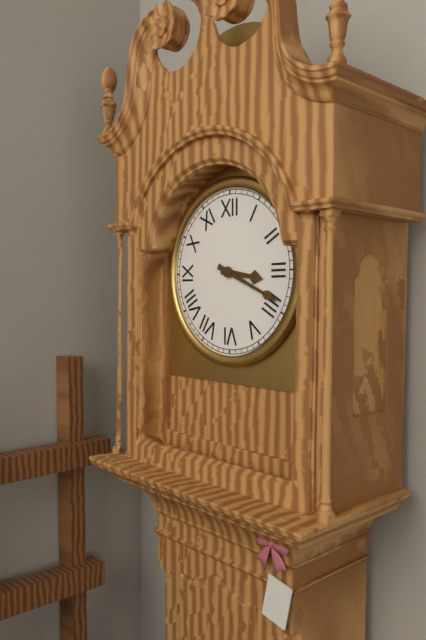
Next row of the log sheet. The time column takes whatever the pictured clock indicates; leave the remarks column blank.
3:19
